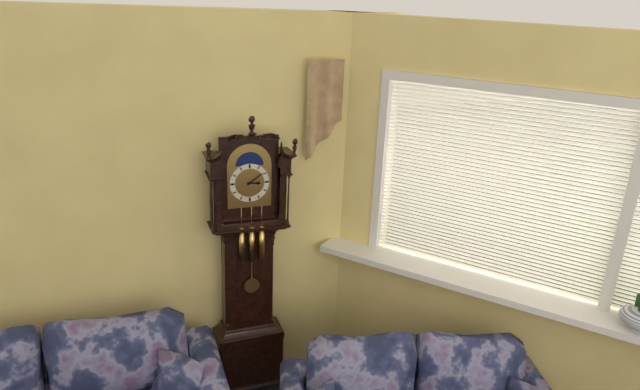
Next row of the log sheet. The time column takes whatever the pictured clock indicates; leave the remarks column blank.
3:09
